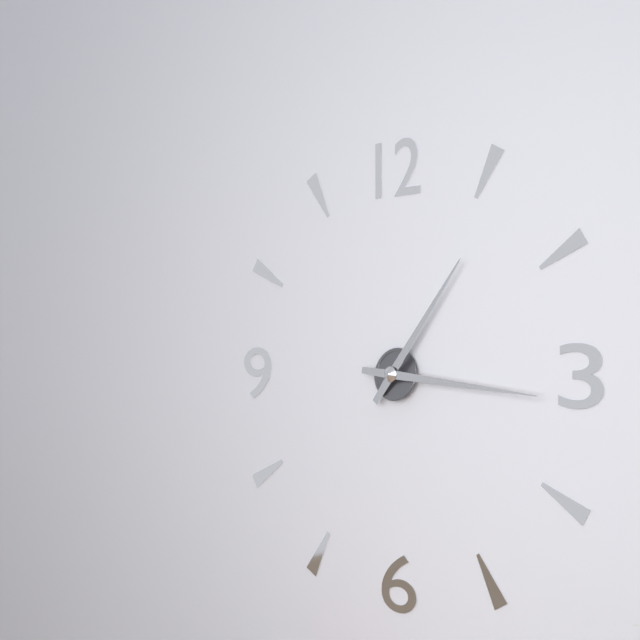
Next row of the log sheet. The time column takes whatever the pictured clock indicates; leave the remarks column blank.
1:16
